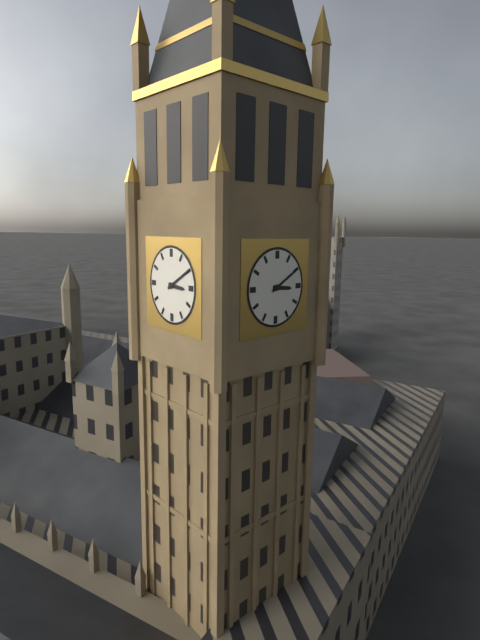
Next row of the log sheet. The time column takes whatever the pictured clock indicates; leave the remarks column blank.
3:10
